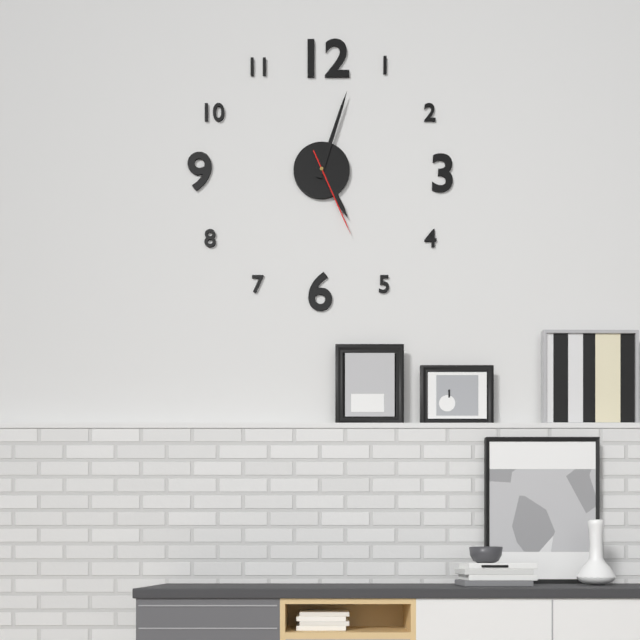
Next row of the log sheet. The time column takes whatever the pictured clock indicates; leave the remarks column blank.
5:03:26
